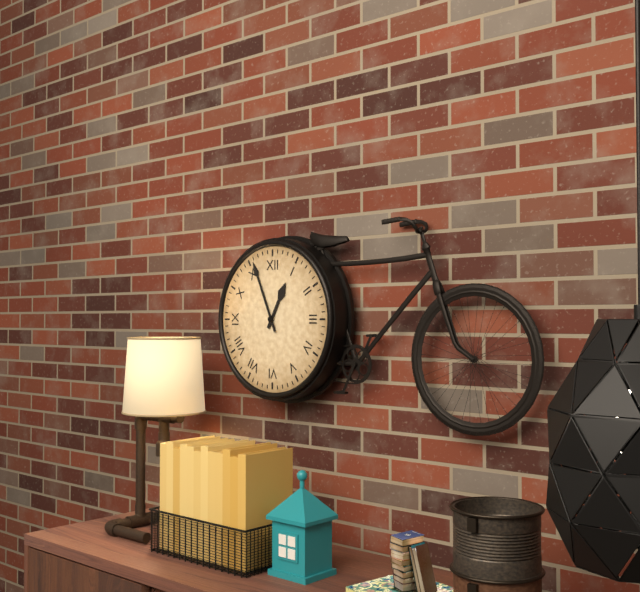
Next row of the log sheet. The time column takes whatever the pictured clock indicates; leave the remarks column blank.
12:56
